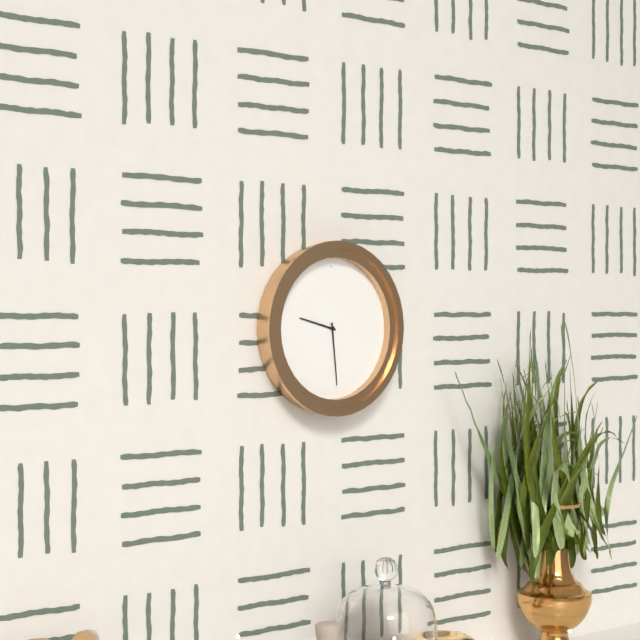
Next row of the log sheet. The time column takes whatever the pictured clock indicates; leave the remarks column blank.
9:29
